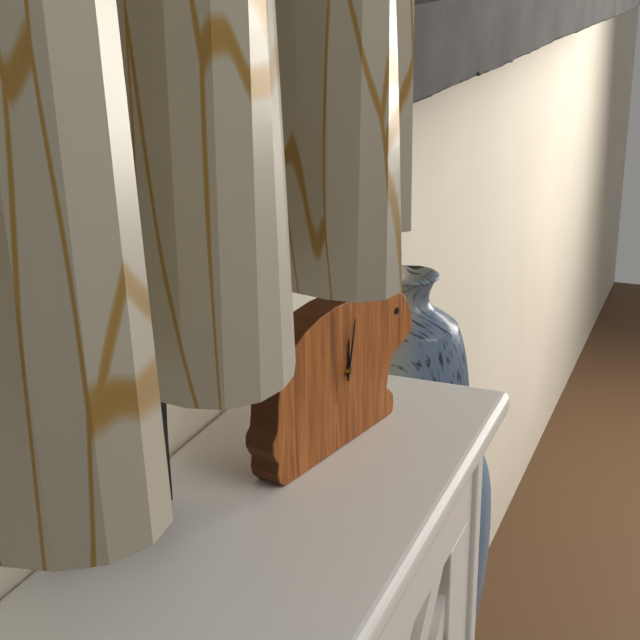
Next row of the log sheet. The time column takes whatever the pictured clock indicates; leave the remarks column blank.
12:02
